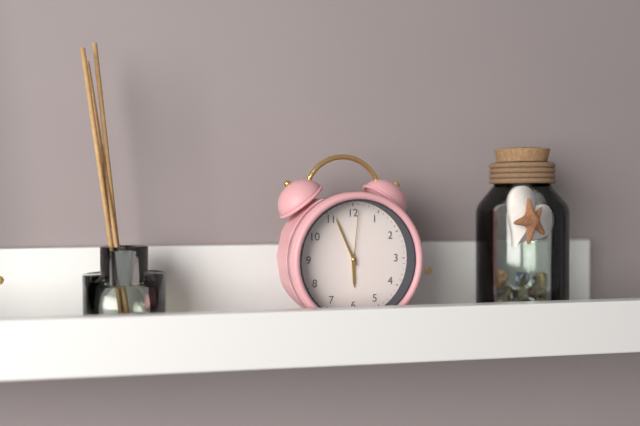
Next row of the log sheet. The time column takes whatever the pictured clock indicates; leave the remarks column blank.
5:56:01
